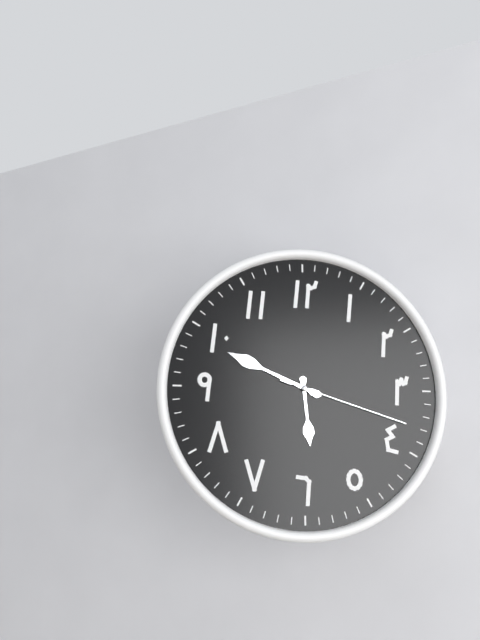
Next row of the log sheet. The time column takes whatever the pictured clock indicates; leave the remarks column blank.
5:49:18
